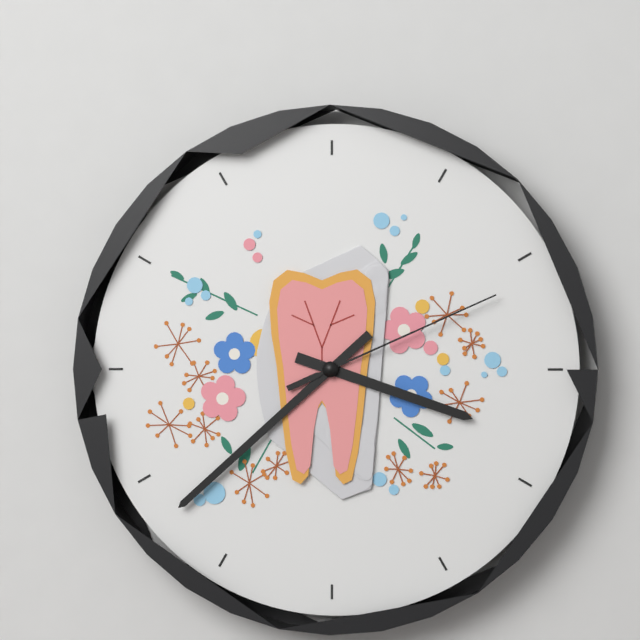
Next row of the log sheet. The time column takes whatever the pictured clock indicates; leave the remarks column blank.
3:38:11
